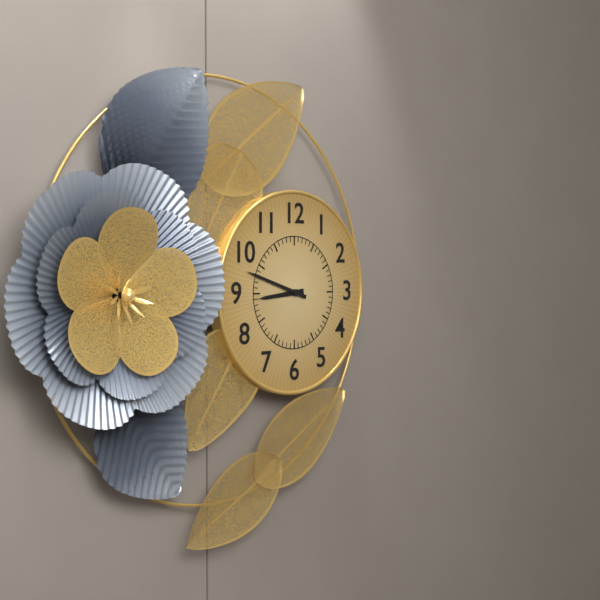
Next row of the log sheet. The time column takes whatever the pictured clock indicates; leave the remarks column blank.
8:48
